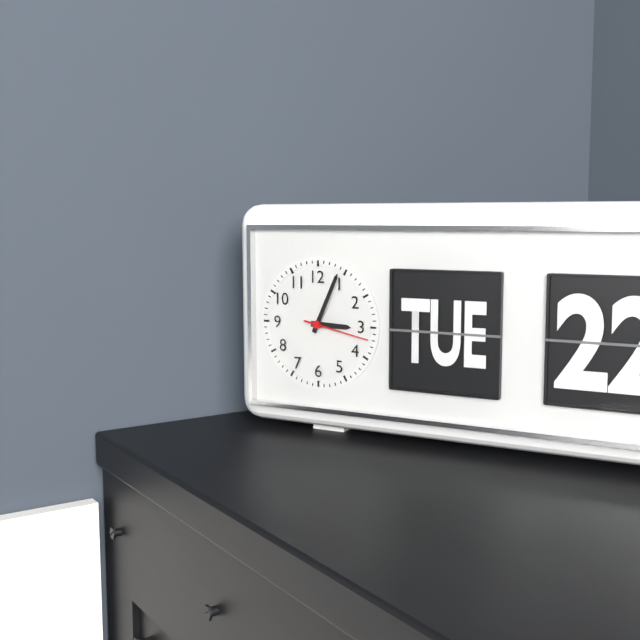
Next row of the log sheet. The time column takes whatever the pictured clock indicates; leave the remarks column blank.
3:04
